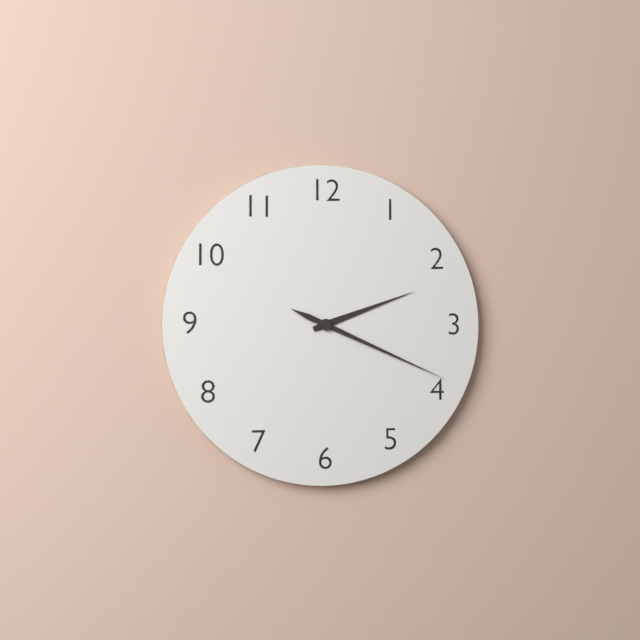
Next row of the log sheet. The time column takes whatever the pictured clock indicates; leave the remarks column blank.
2:19
